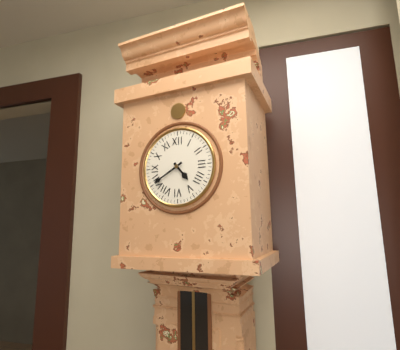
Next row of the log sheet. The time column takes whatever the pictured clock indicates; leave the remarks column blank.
4:40
